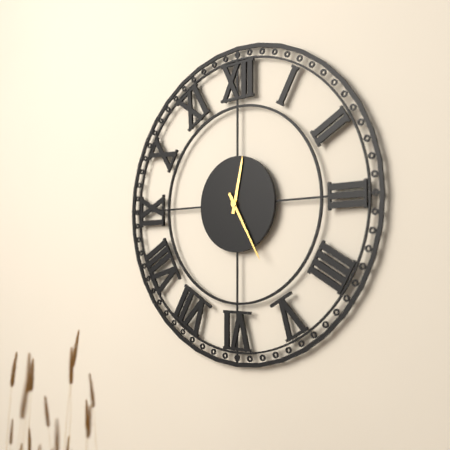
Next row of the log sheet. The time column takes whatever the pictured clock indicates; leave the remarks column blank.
12:25
